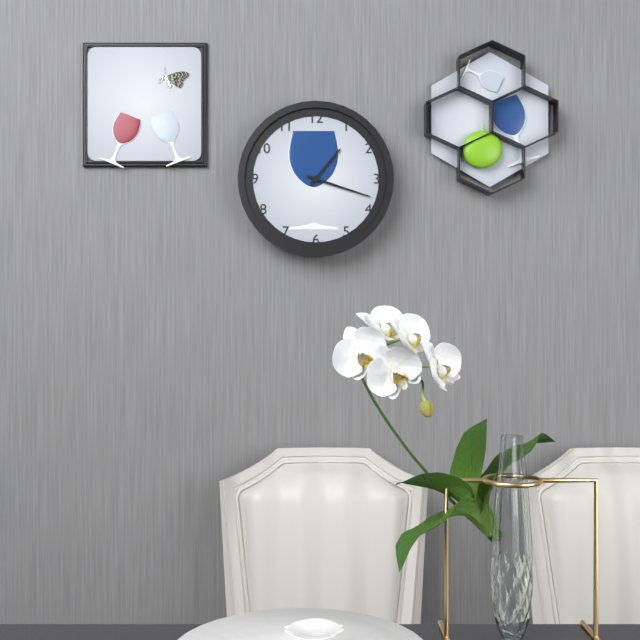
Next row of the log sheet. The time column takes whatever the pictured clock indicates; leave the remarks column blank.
1:18
